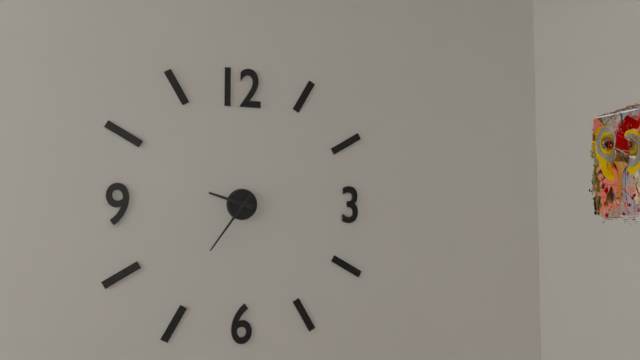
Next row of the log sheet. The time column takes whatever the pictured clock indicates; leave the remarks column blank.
9:36
